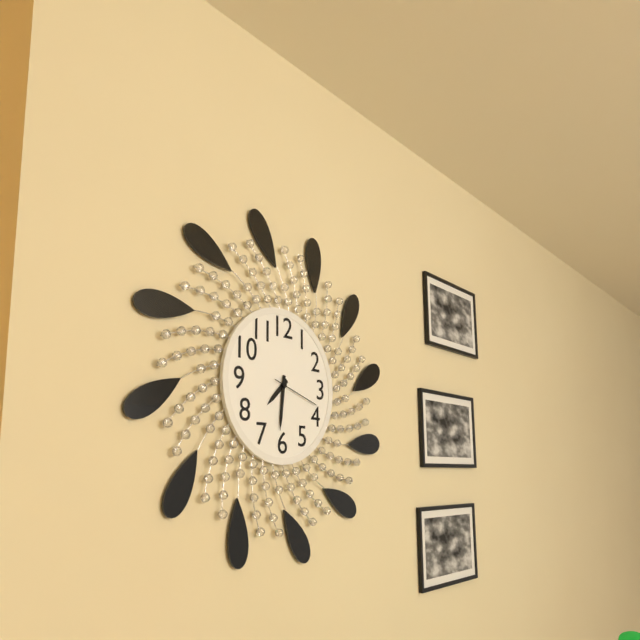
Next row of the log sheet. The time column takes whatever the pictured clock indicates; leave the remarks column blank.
7:31
